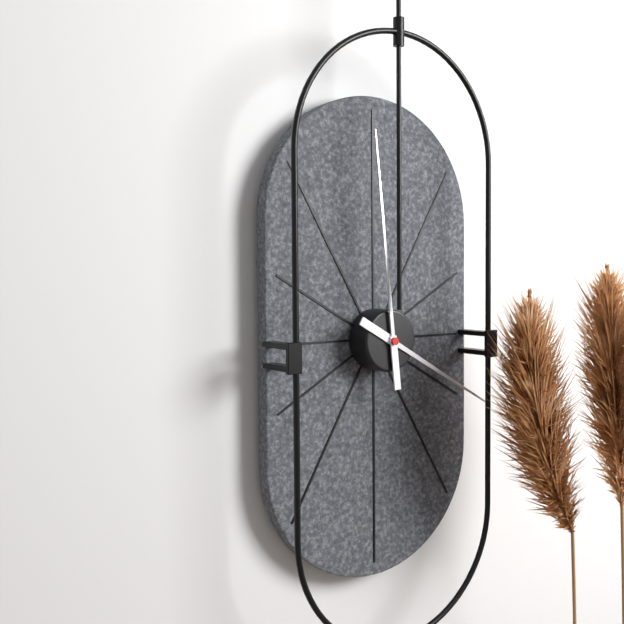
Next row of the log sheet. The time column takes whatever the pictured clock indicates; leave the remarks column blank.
3:59
